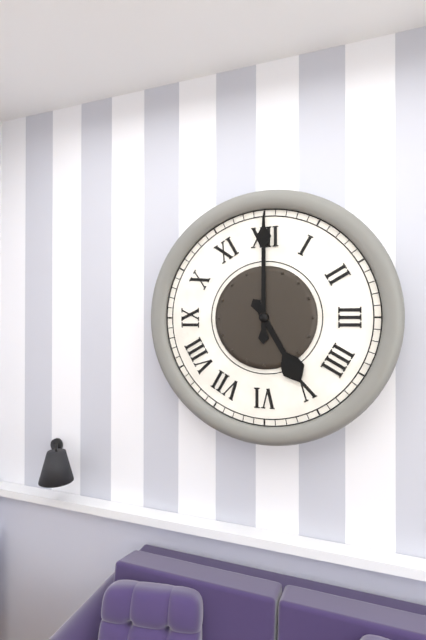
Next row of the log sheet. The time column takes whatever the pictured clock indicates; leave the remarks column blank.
5:00
